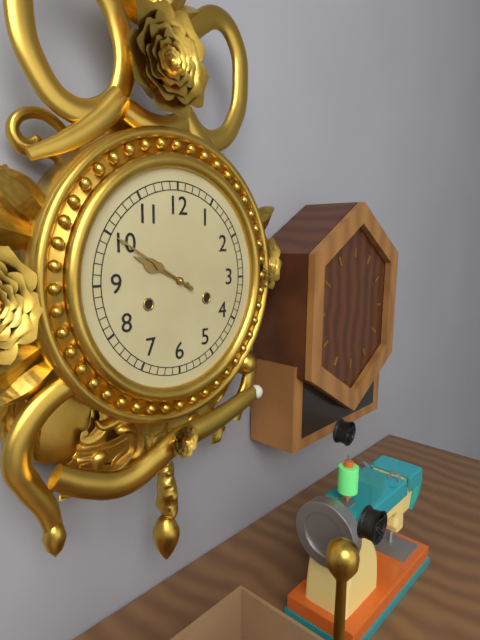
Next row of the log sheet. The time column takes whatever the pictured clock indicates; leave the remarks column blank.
9:50
